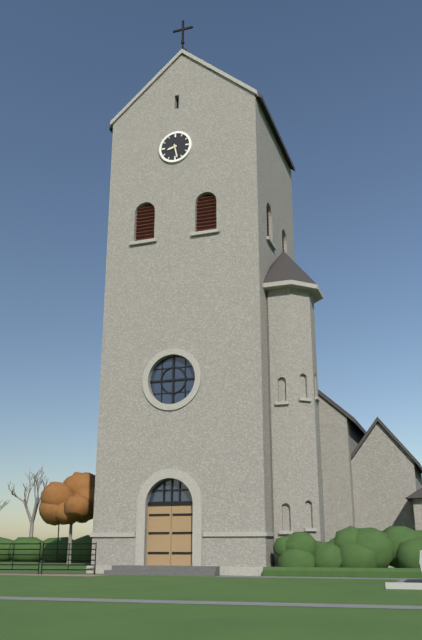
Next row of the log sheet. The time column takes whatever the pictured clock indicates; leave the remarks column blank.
8:28
